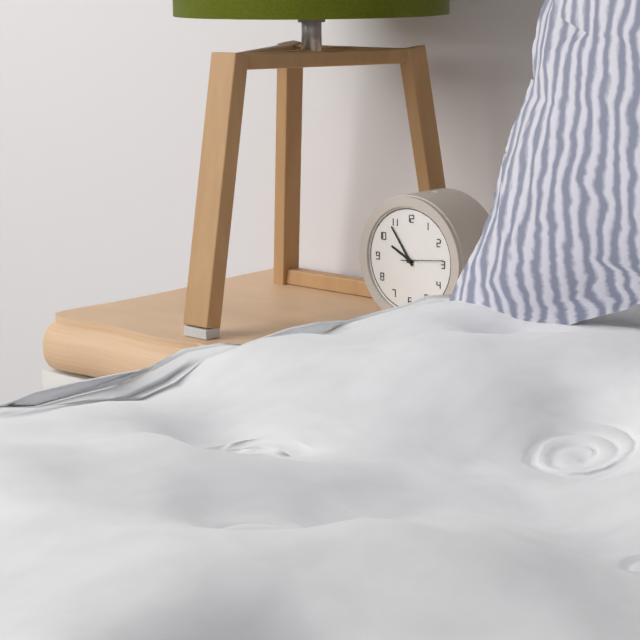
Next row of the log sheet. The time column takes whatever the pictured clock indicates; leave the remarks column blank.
9:54
